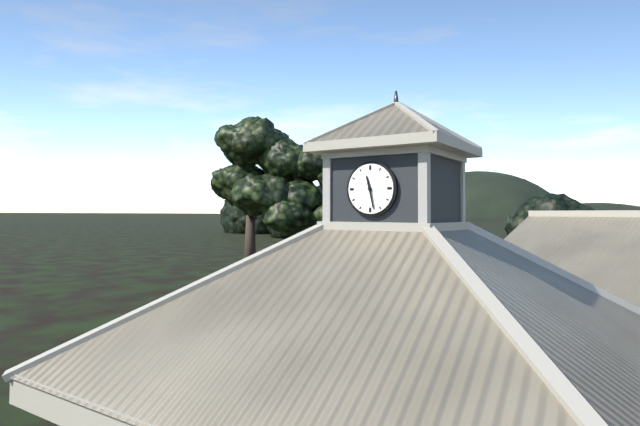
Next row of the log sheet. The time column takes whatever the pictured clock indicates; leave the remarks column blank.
11:28
